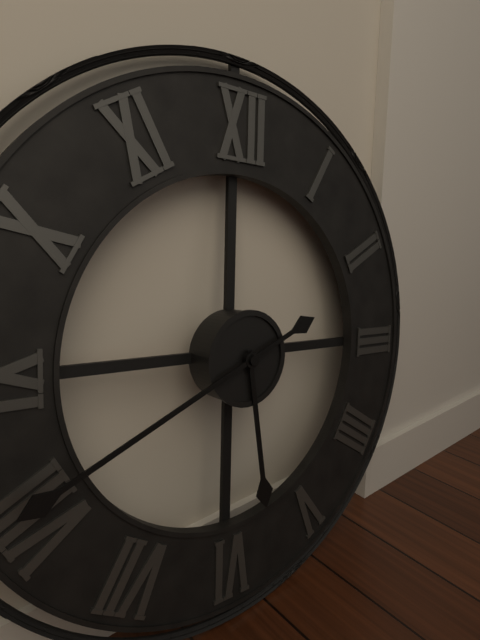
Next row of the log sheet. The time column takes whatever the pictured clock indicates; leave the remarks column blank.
5:41
